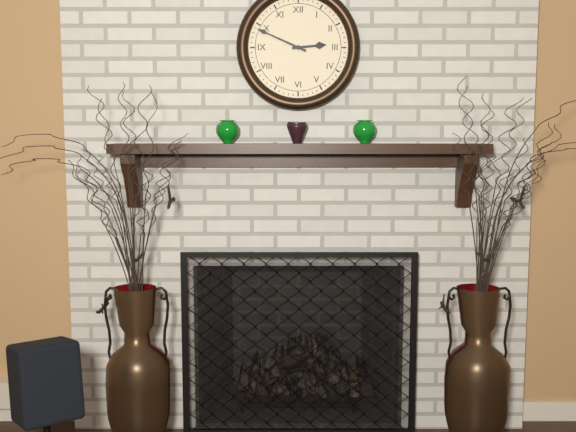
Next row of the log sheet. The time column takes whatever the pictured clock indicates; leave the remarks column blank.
2:49
